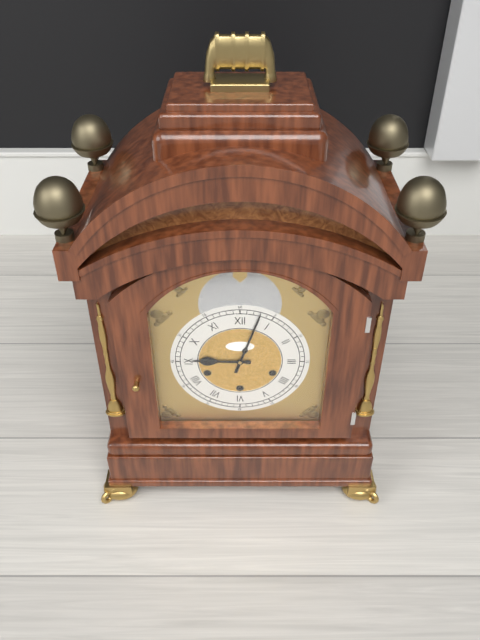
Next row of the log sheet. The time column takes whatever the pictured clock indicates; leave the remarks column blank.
9:03
